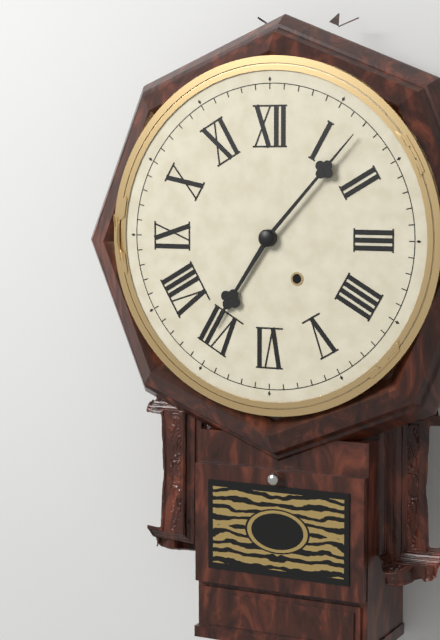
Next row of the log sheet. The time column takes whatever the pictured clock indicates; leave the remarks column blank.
7:07
